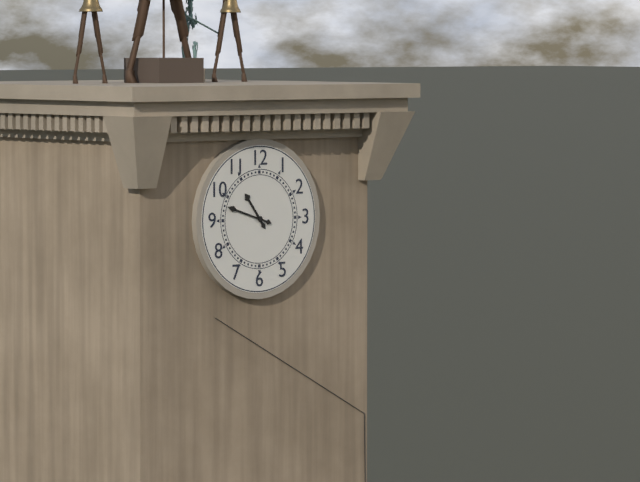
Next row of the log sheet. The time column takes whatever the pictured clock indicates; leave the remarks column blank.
10:48
